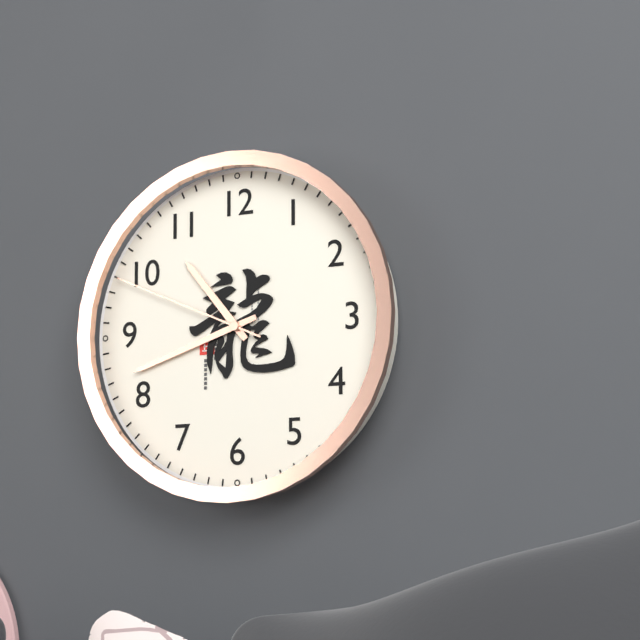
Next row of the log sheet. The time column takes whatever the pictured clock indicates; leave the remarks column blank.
10:42:49
